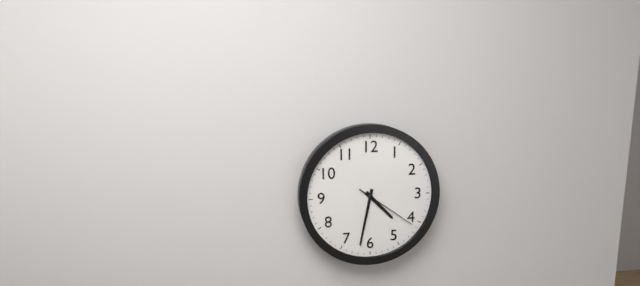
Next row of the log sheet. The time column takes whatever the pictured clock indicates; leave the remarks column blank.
4:32:21
